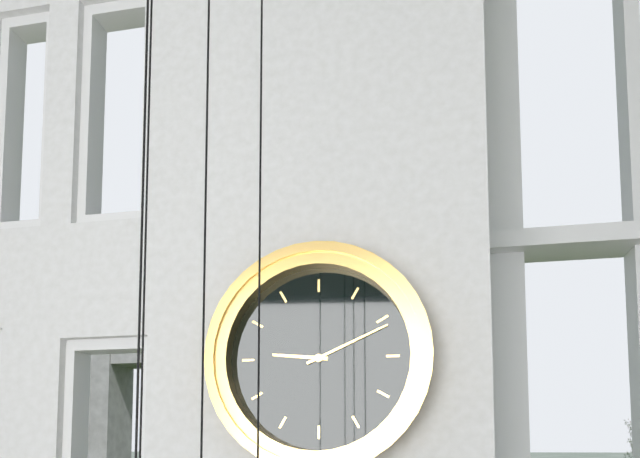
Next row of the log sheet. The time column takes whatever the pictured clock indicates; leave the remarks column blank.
9:11
